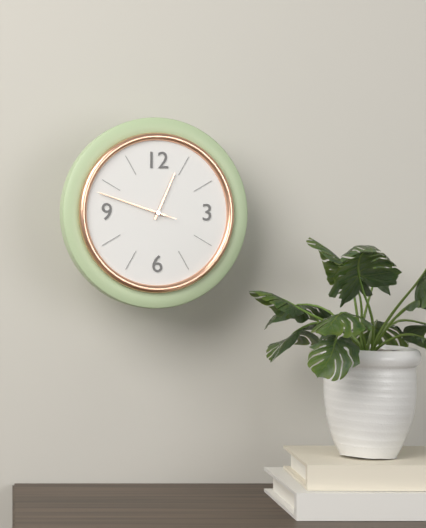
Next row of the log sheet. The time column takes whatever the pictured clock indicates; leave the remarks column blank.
12:48:48
